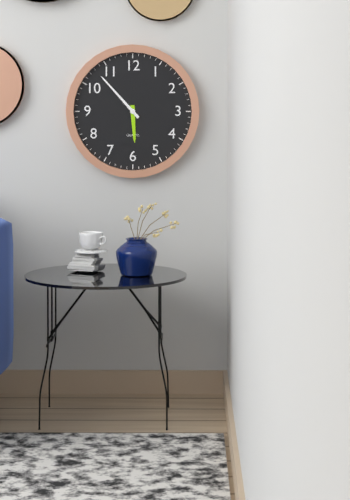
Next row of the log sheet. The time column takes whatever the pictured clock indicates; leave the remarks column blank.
5:53
